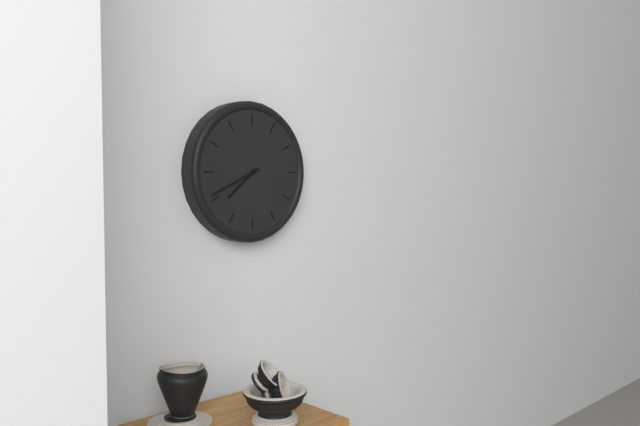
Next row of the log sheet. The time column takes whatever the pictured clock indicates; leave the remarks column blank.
7:41
